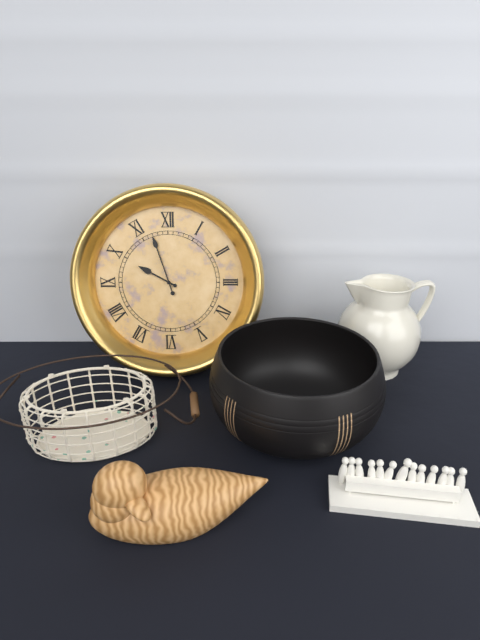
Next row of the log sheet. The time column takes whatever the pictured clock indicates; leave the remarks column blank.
9:57
